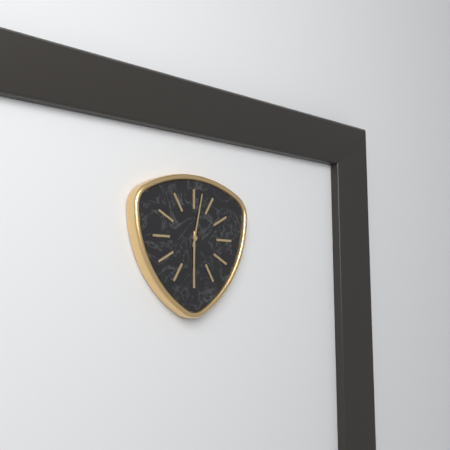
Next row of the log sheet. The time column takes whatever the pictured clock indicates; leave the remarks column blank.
6:02
